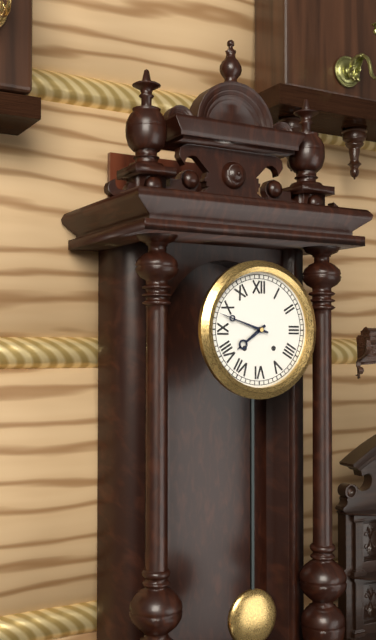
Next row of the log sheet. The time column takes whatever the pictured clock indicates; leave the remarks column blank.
7:48
